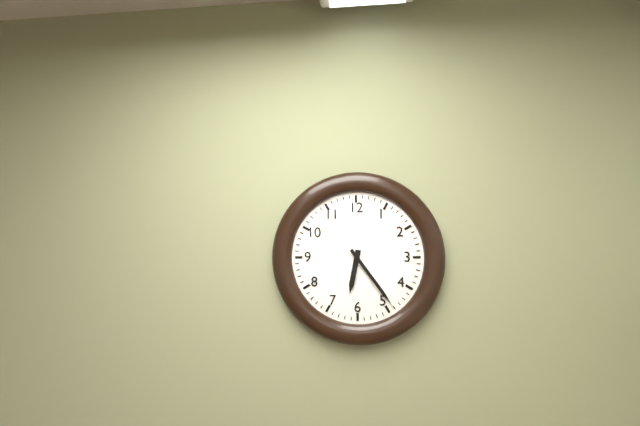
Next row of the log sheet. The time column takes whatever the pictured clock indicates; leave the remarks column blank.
6:24
